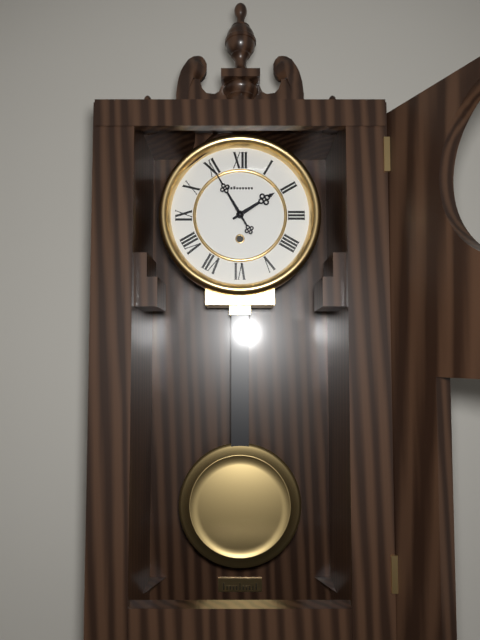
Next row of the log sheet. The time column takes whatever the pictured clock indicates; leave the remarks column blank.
1:55
